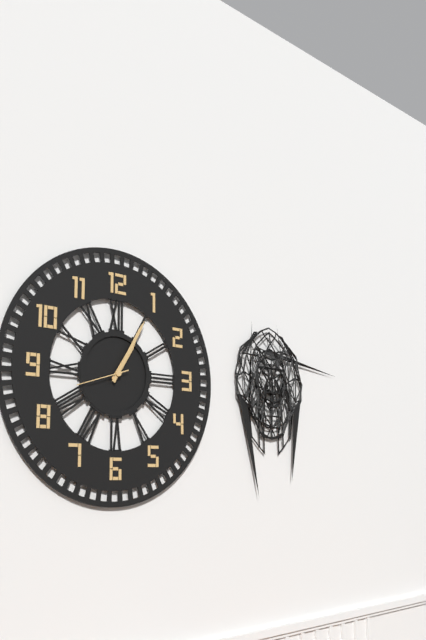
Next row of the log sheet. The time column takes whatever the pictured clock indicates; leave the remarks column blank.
1:05:42
